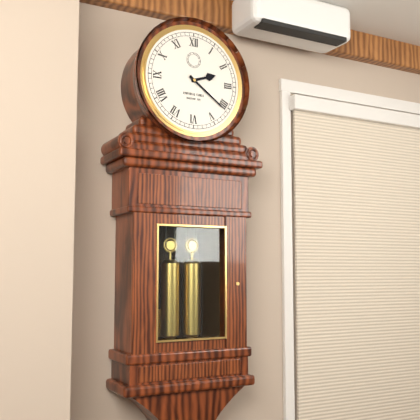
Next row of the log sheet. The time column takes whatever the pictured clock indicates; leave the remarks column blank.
2:21
